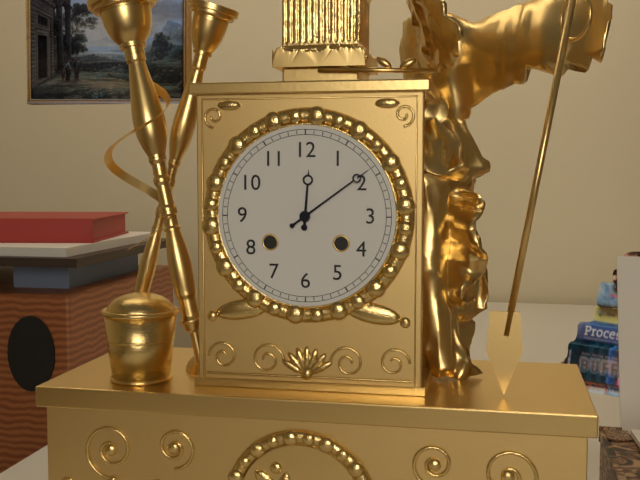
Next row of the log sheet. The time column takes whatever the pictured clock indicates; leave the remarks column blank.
12:09
